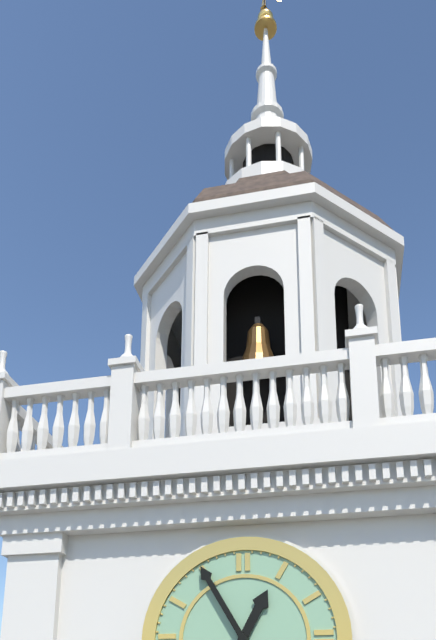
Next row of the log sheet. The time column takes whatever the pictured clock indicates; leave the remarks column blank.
12:55
